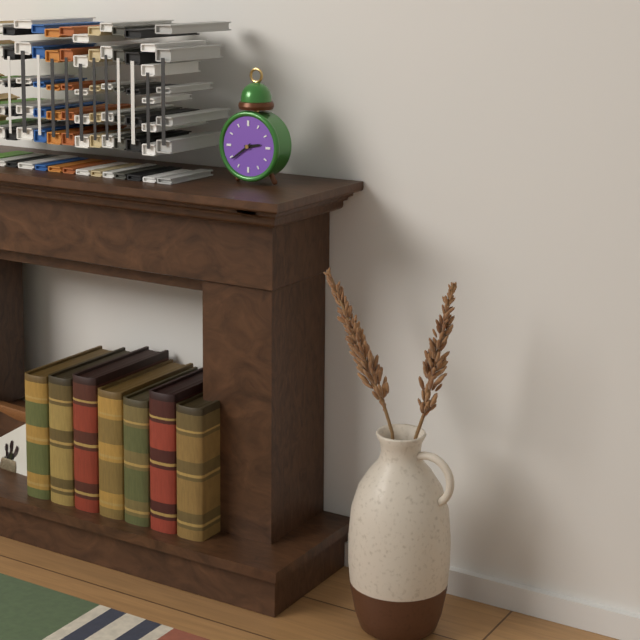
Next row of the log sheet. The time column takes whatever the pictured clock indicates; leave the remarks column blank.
2:39
